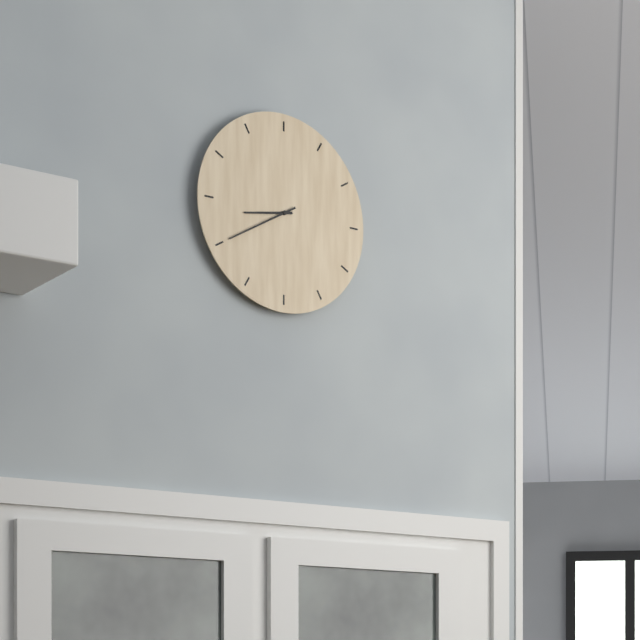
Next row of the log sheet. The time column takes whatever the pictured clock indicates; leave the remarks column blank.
8:40
